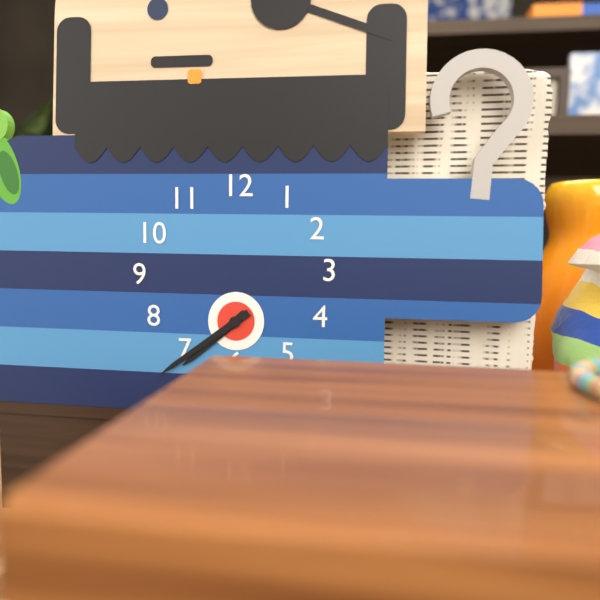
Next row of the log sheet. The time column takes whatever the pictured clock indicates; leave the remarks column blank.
7:39
